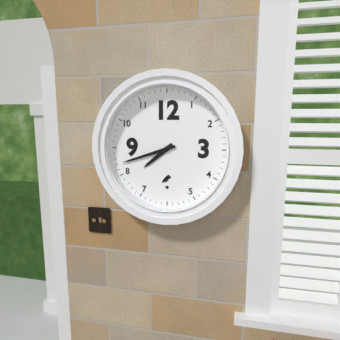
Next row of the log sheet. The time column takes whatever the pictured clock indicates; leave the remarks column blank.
7:42
